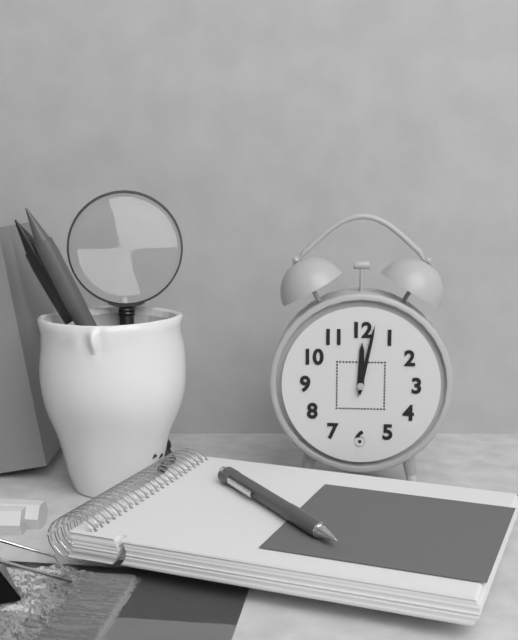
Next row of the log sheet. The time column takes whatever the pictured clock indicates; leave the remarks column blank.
12:02
